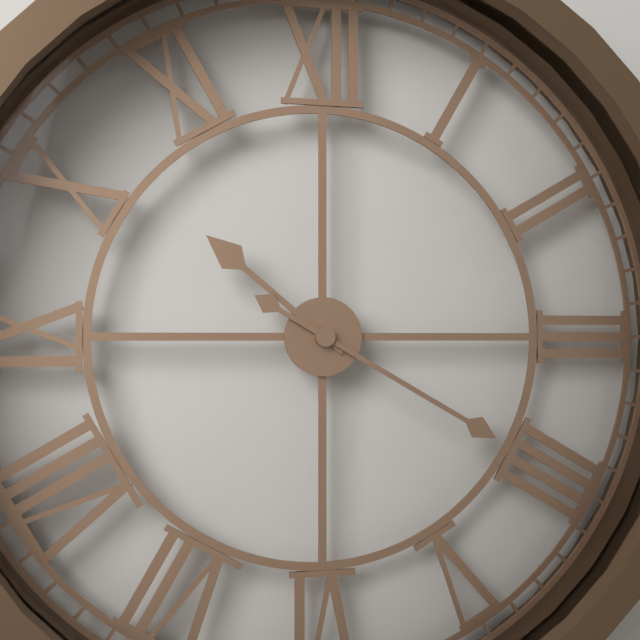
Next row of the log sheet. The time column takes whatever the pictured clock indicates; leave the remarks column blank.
10:20
